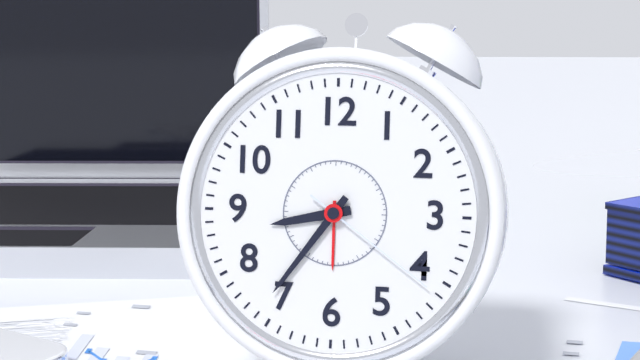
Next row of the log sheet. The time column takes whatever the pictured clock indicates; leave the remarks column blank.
8:36:21
